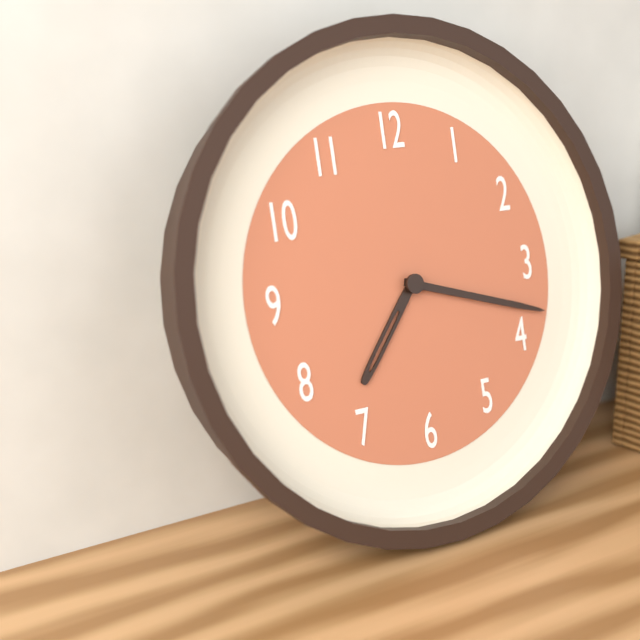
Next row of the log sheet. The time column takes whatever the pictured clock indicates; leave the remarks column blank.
7:18
